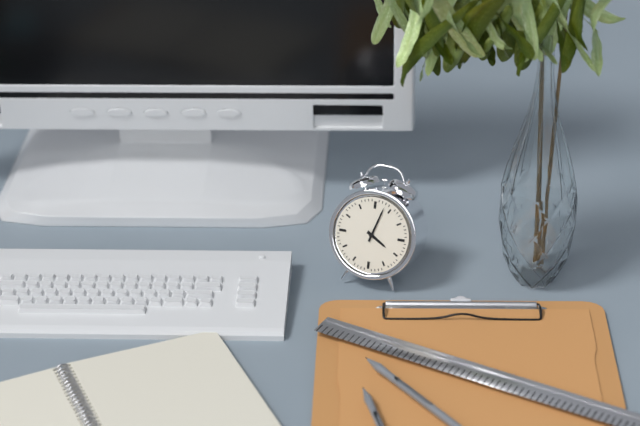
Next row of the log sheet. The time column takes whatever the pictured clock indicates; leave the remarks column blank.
4:03
